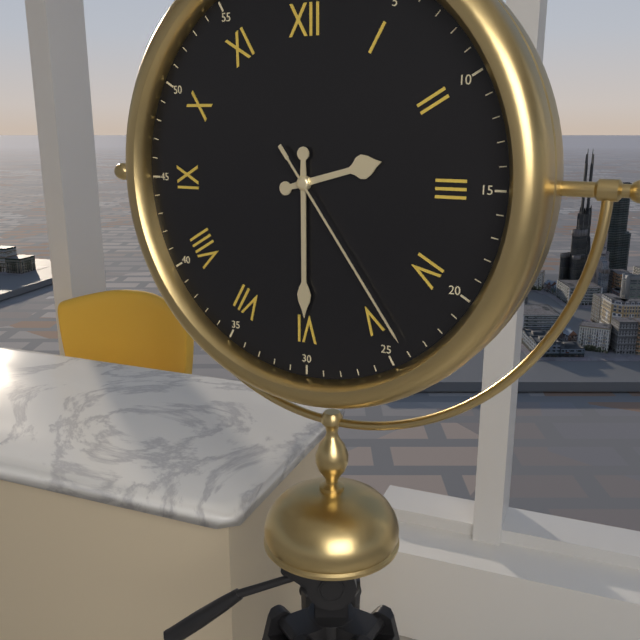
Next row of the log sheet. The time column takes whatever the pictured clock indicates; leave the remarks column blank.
2:30:24
